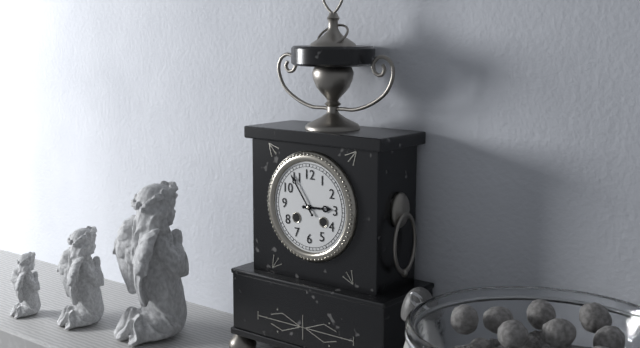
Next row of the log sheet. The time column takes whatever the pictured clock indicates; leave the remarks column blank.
2:54
